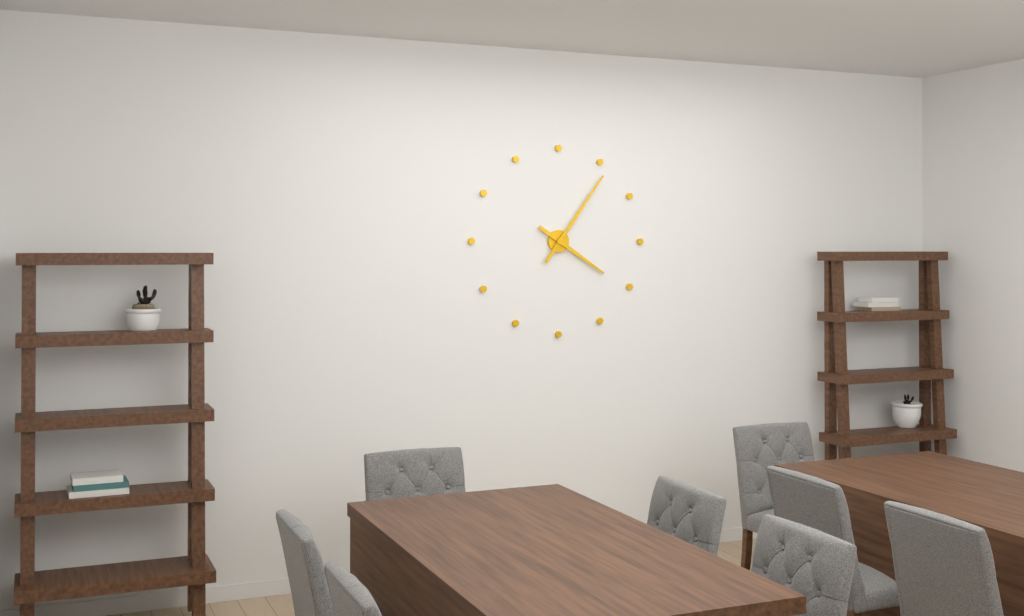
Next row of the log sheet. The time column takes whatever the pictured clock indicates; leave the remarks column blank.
4:06
